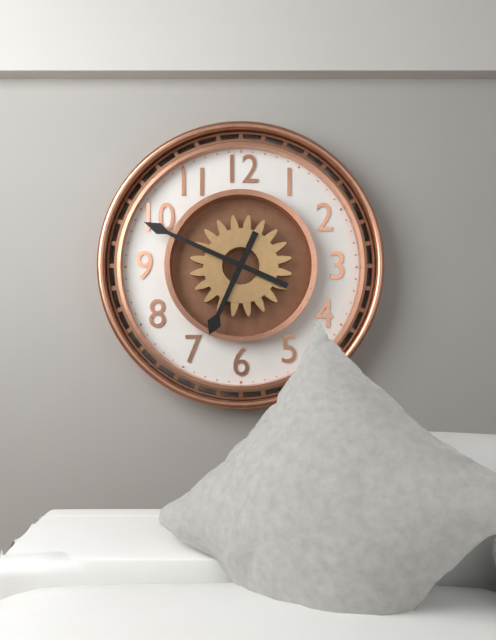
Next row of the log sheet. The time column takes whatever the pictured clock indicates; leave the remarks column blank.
6:49
